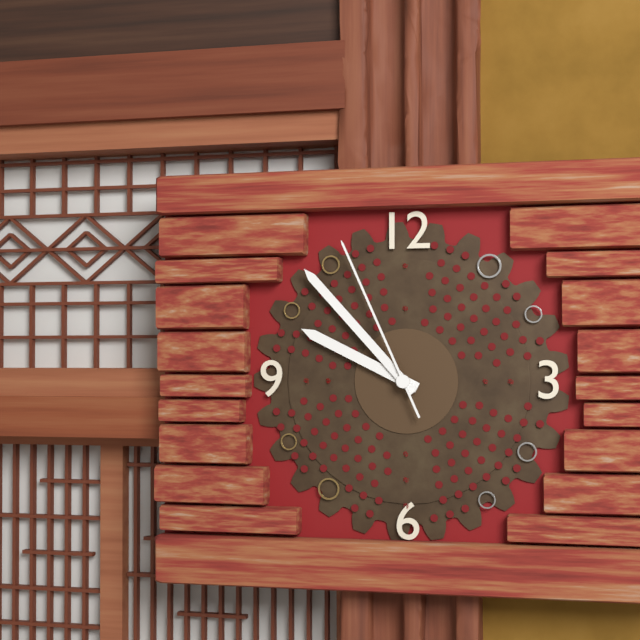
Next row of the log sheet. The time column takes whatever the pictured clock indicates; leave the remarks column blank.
9:53:56
